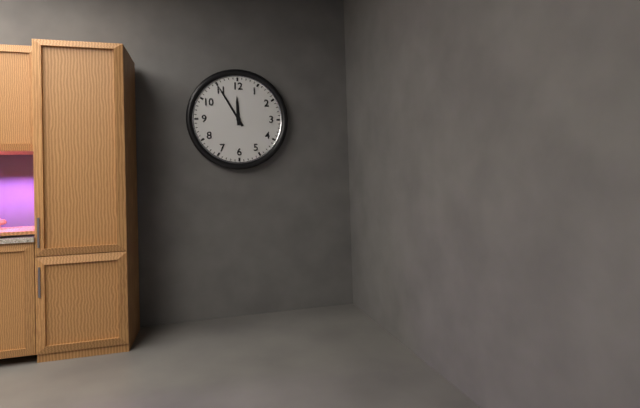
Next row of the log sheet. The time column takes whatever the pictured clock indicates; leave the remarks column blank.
11:55
